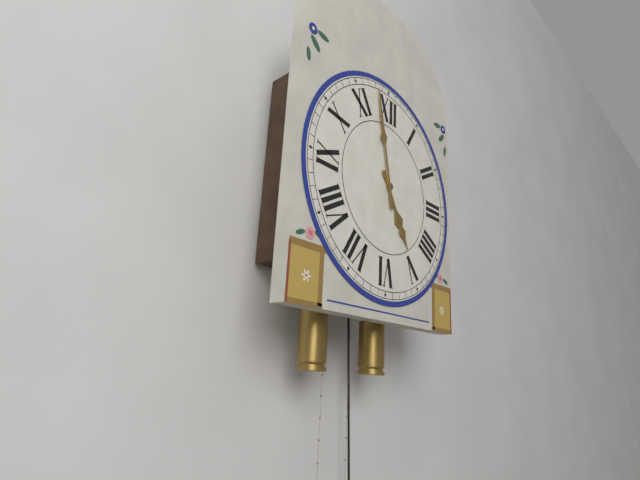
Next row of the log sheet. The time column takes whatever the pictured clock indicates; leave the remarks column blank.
4:58
